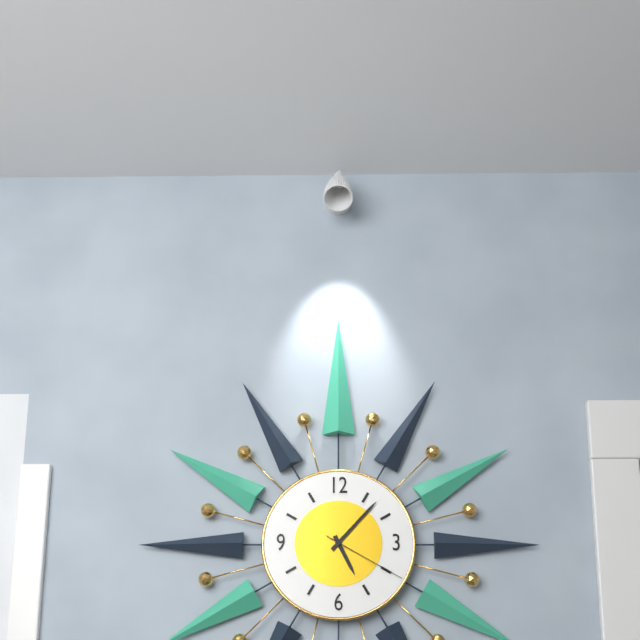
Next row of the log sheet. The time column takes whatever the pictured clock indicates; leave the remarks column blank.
5:07:20
